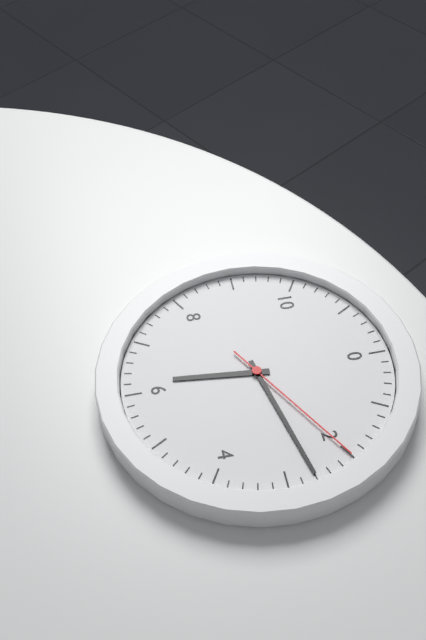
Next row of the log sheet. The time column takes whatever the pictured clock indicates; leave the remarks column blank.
6:13:10
